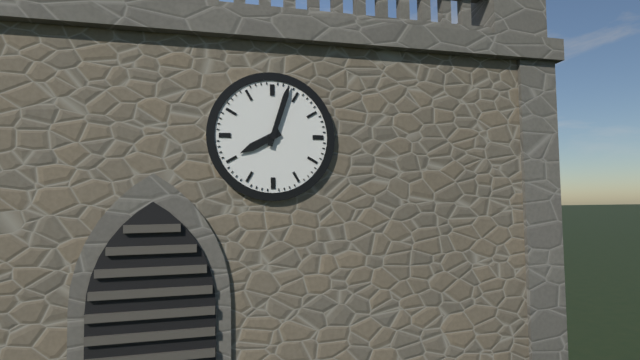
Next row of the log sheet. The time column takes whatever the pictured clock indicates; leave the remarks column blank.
8:03
